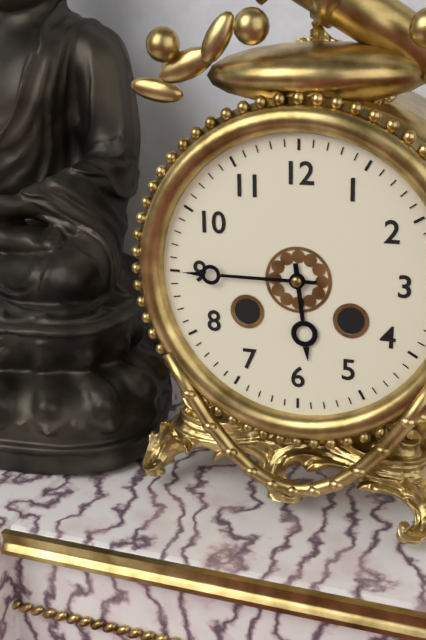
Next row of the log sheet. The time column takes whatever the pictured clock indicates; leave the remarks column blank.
5:45
